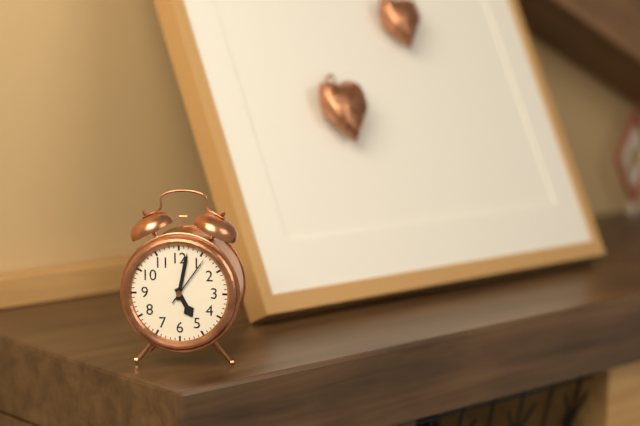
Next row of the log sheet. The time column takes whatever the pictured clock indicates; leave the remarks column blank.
5:02:06
